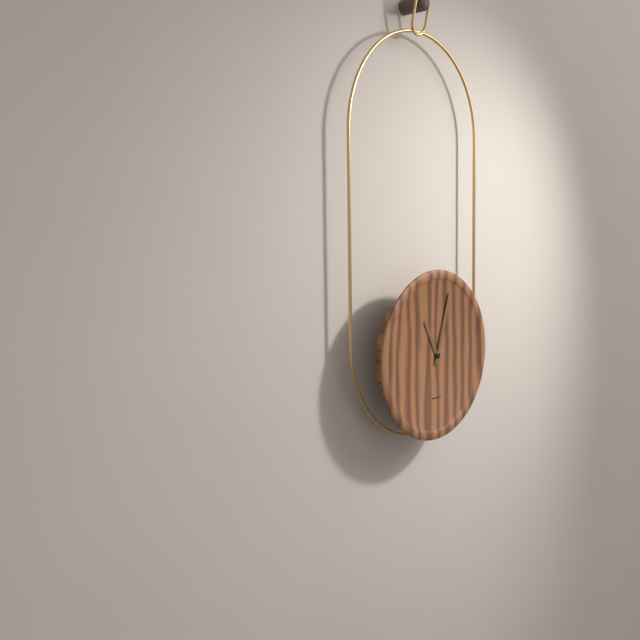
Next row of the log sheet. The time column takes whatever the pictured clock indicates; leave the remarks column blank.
11:03
